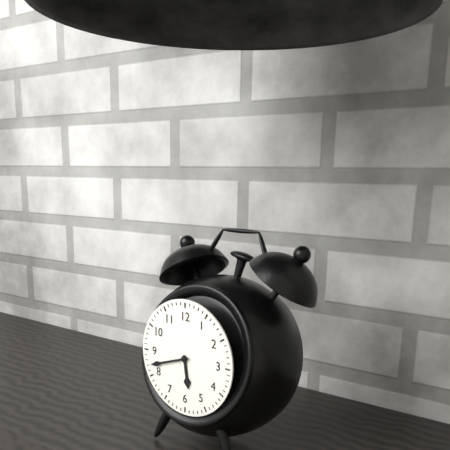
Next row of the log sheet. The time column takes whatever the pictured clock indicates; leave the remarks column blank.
5:42
